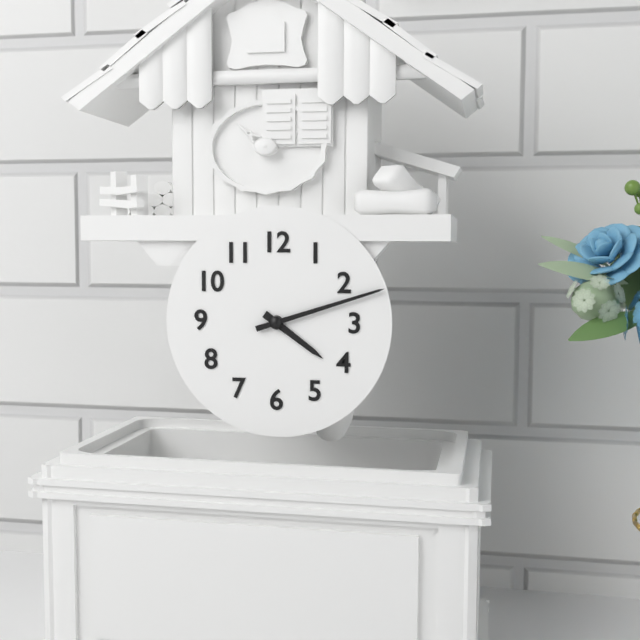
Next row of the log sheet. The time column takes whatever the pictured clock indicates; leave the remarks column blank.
4:12
